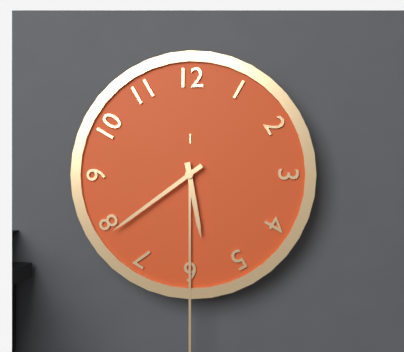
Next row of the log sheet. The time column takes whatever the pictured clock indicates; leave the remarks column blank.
5:39
